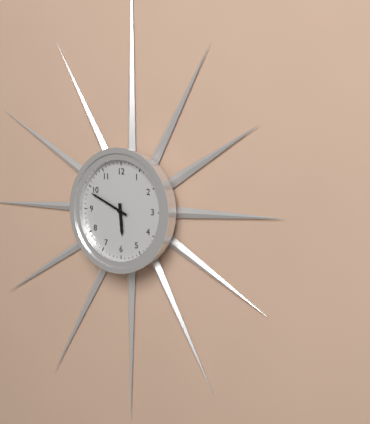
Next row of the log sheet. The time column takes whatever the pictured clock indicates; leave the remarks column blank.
5:49
